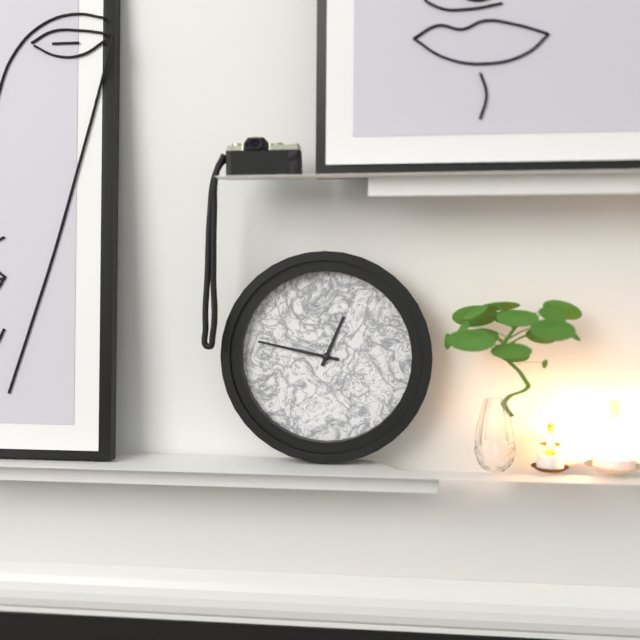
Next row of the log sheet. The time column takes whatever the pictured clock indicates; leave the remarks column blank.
12:47
